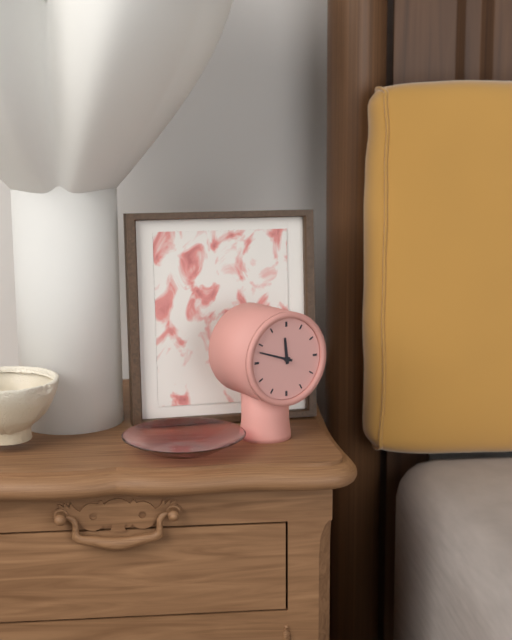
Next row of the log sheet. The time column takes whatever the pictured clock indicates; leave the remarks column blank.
11:48
